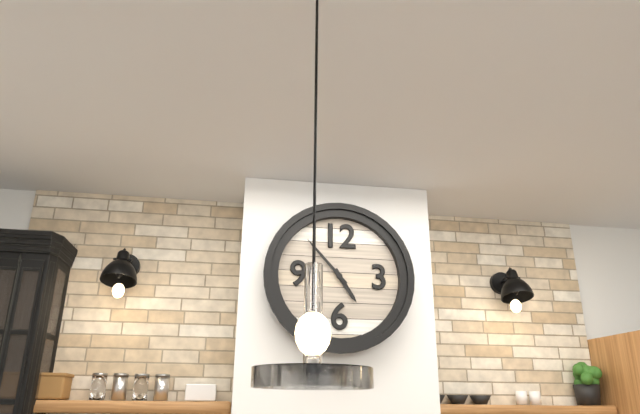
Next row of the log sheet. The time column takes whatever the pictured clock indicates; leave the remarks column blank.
4:53
